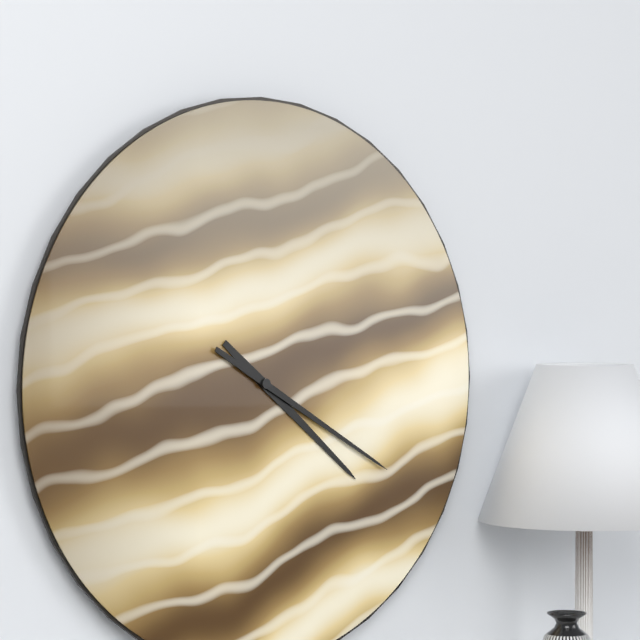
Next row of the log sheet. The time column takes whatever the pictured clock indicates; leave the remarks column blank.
4:20
